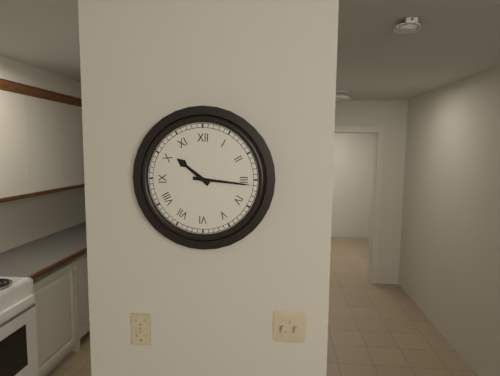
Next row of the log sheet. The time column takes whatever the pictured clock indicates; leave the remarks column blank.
10:16
